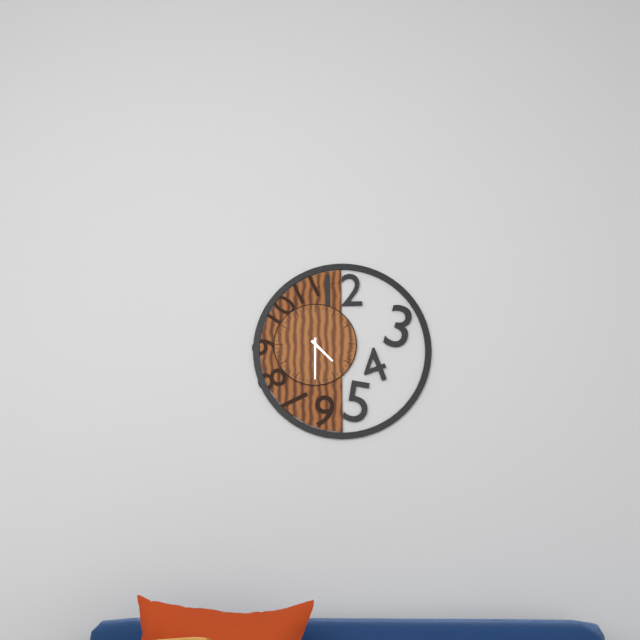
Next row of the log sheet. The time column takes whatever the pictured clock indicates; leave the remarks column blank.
4:30
